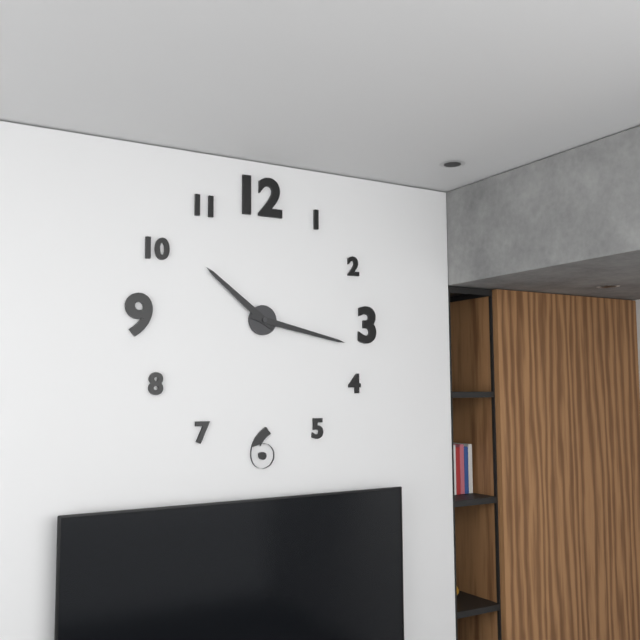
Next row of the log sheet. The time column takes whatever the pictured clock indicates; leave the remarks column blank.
10:17
